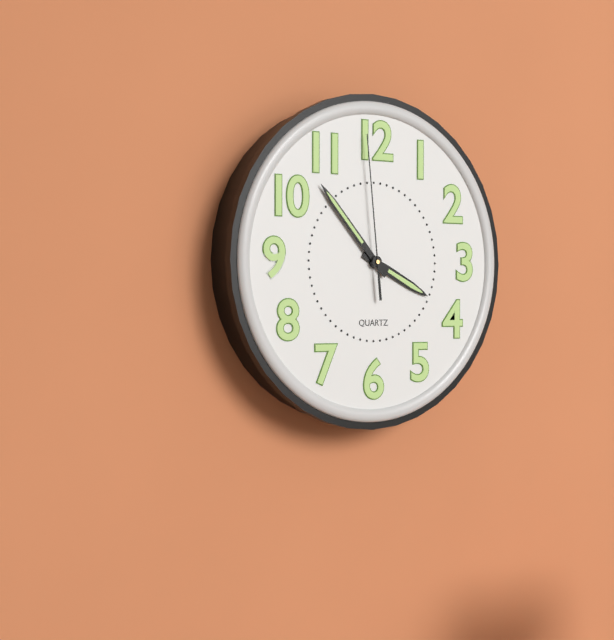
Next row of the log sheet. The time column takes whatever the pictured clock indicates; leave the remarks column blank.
3:53:59
